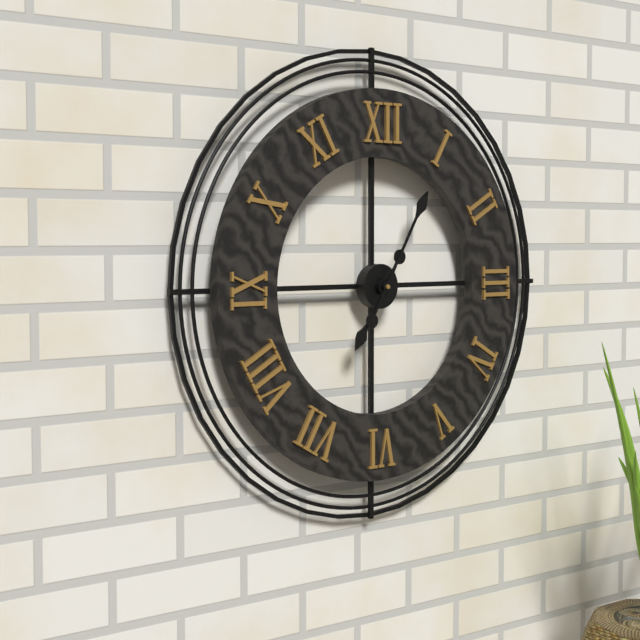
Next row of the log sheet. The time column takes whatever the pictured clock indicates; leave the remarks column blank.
7:05
